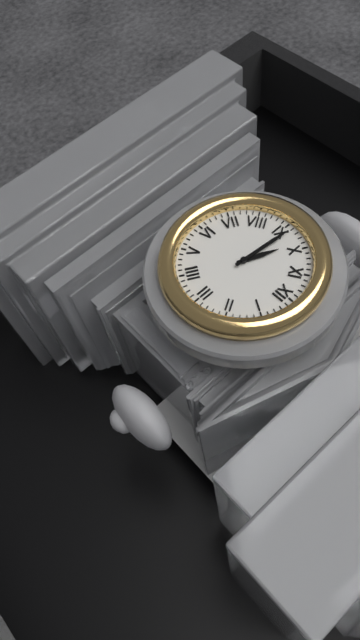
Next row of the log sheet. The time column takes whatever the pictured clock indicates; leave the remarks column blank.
9:46
